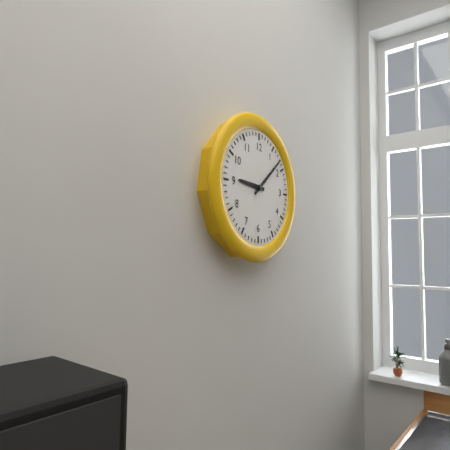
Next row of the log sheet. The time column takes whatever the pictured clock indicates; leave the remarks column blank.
9:08
